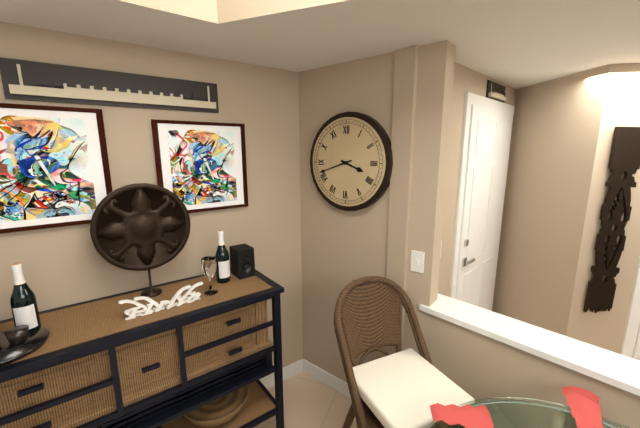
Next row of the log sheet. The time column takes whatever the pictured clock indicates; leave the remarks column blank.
3:42
